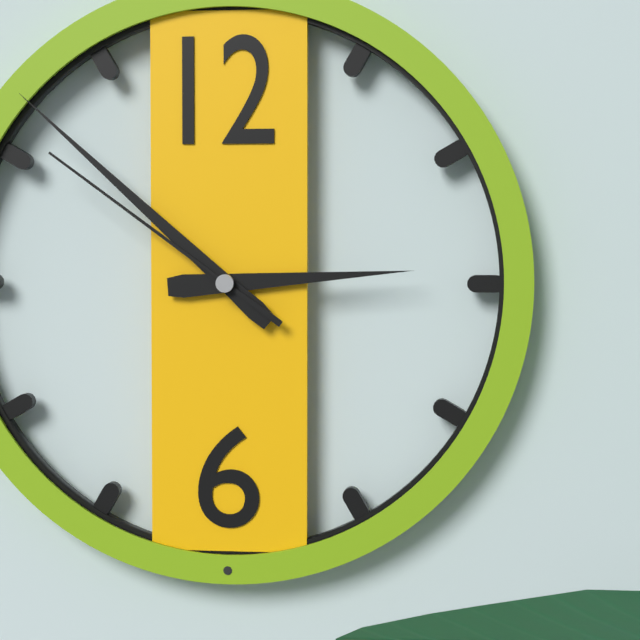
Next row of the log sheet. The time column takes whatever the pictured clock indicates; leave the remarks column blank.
2:52:51
